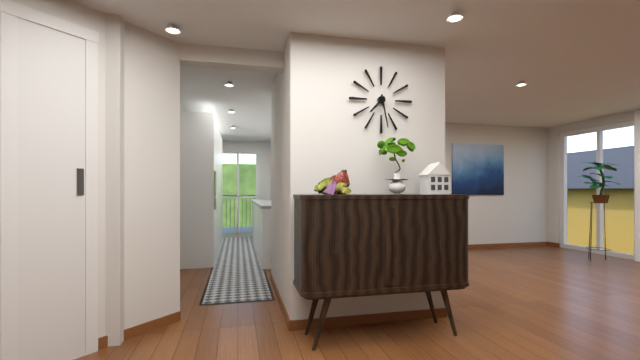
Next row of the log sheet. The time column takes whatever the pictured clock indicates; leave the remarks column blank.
7:28
